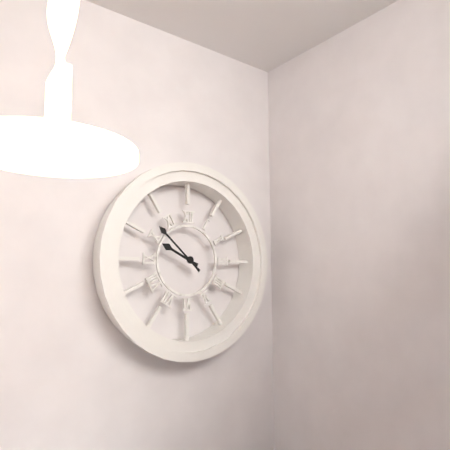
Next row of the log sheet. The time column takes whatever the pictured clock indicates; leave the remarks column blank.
9:52
